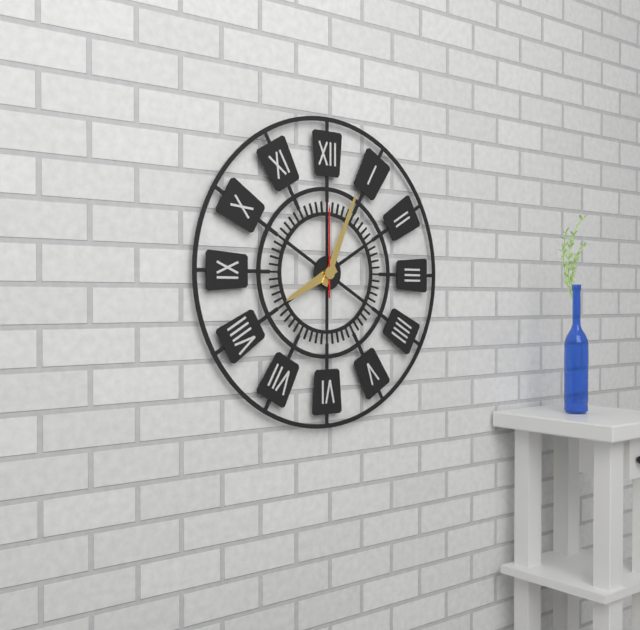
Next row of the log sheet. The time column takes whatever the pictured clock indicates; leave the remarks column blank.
8:04:00
